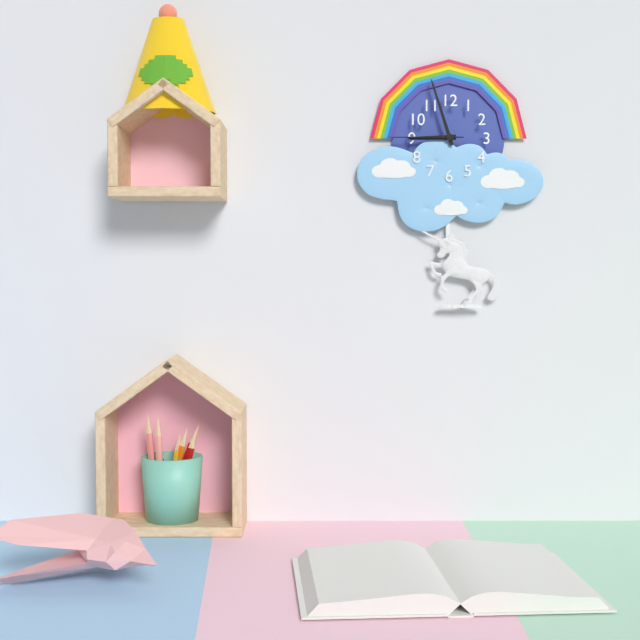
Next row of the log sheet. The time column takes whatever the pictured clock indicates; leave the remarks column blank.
8:57:45
